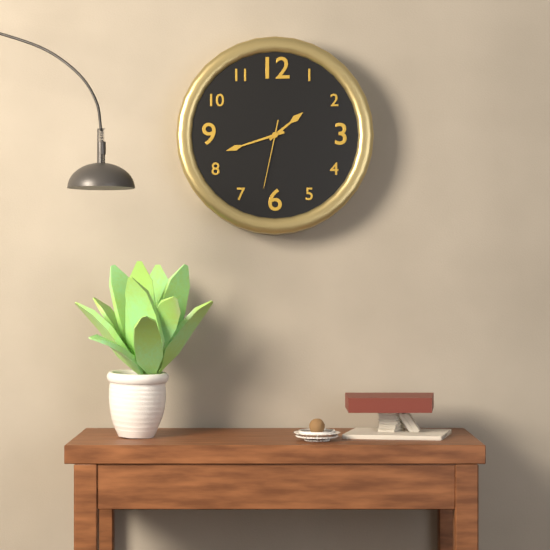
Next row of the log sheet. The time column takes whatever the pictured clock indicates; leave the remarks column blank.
1:42:32
